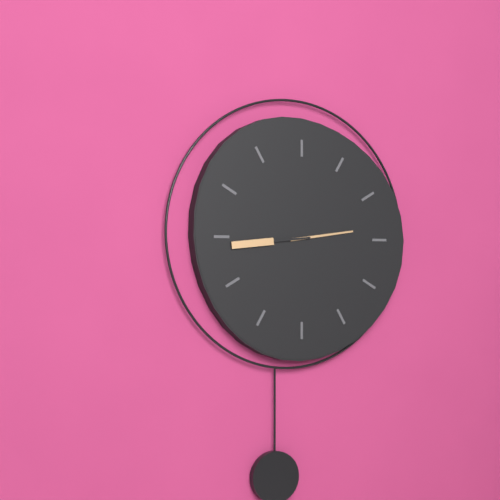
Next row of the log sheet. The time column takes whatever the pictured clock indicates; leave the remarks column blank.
2:44
